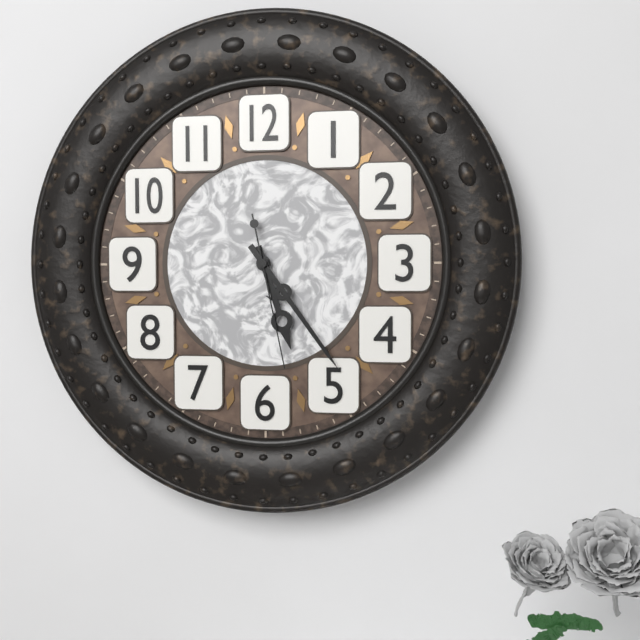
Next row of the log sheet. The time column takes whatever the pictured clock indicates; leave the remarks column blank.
5:24:28
